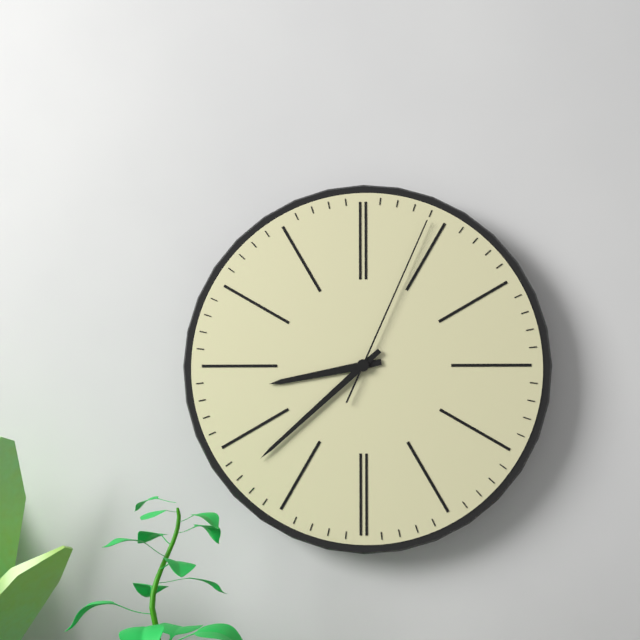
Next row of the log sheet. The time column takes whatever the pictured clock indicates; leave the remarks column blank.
8:38:04
